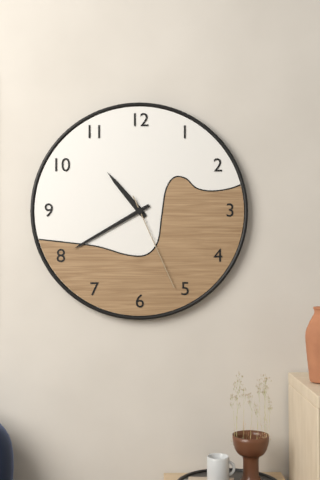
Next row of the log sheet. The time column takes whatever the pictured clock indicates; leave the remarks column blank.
10:40:26
